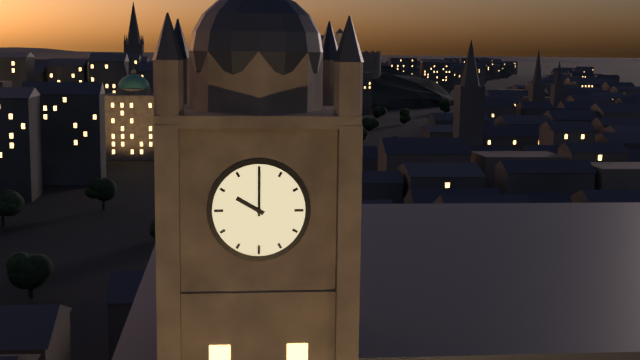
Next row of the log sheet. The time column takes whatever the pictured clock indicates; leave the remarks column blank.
10:00
